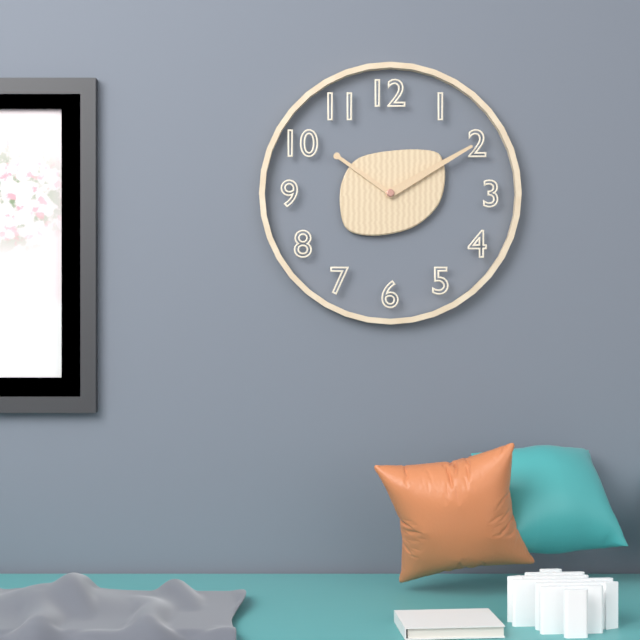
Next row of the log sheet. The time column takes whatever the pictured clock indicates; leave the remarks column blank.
10:10
